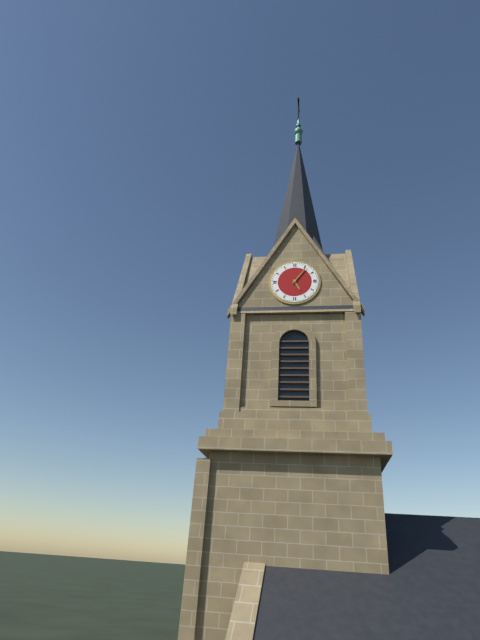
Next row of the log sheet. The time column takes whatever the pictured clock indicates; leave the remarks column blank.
5:06
